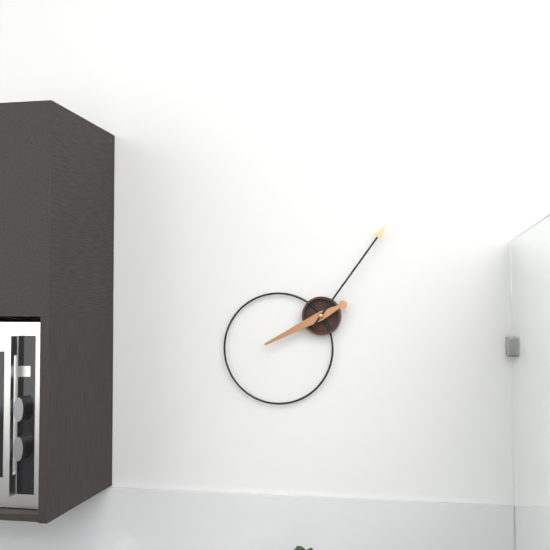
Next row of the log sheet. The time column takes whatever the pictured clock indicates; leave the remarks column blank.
8:06
